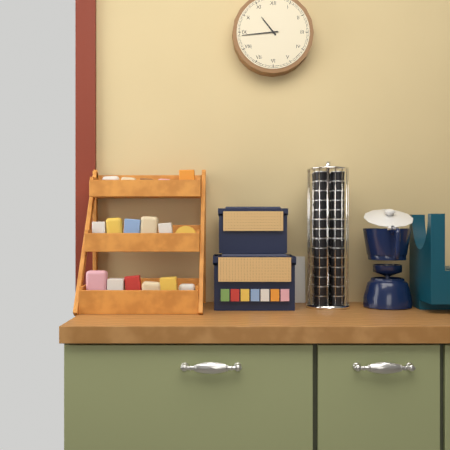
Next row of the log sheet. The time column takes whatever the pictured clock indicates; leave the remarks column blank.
10:44
